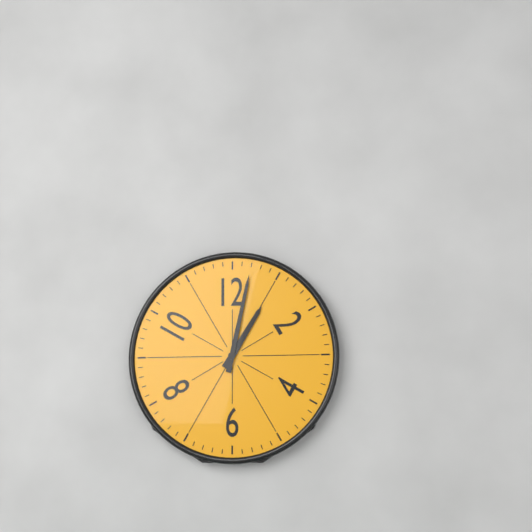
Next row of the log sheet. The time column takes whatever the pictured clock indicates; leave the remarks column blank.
1:02
